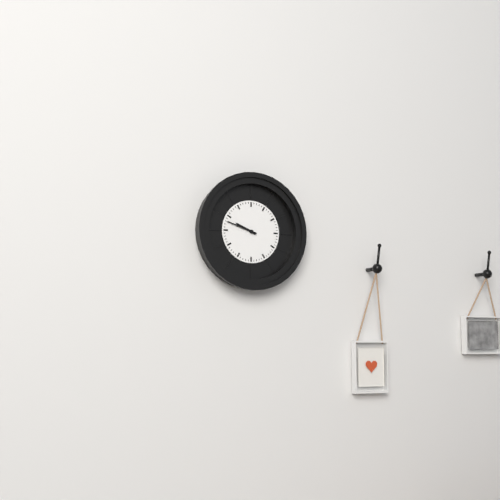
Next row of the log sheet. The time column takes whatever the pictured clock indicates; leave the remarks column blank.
9:48
